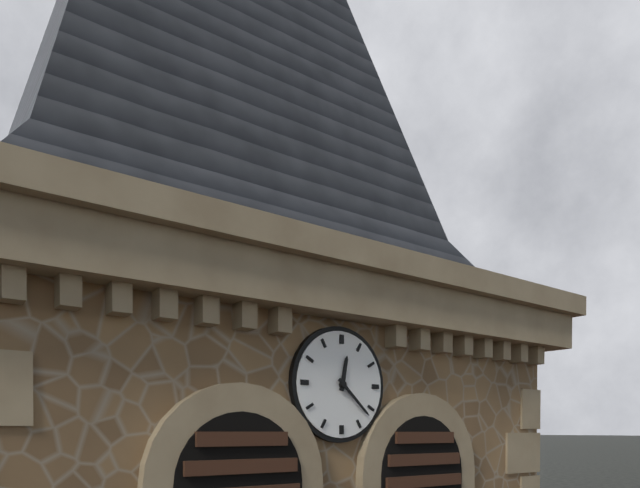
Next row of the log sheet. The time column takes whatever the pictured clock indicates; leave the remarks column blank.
12:22
